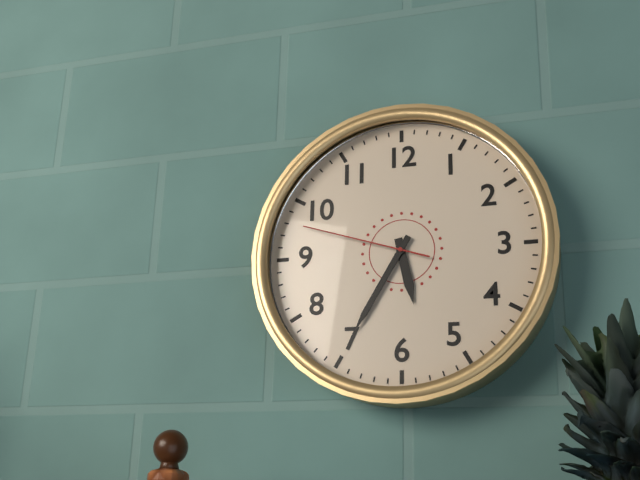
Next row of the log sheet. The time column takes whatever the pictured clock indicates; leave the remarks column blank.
5:35:48
